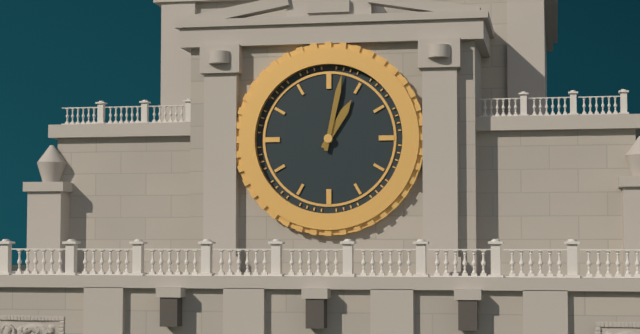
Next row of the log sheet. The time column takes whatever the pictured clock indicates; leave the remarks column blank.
1:02
